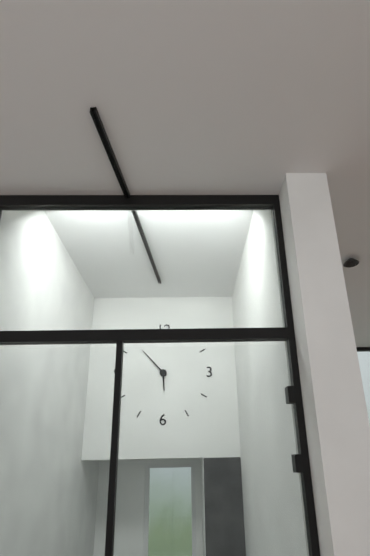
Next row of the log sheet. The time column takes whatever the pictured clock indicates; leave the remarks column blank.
5:53
